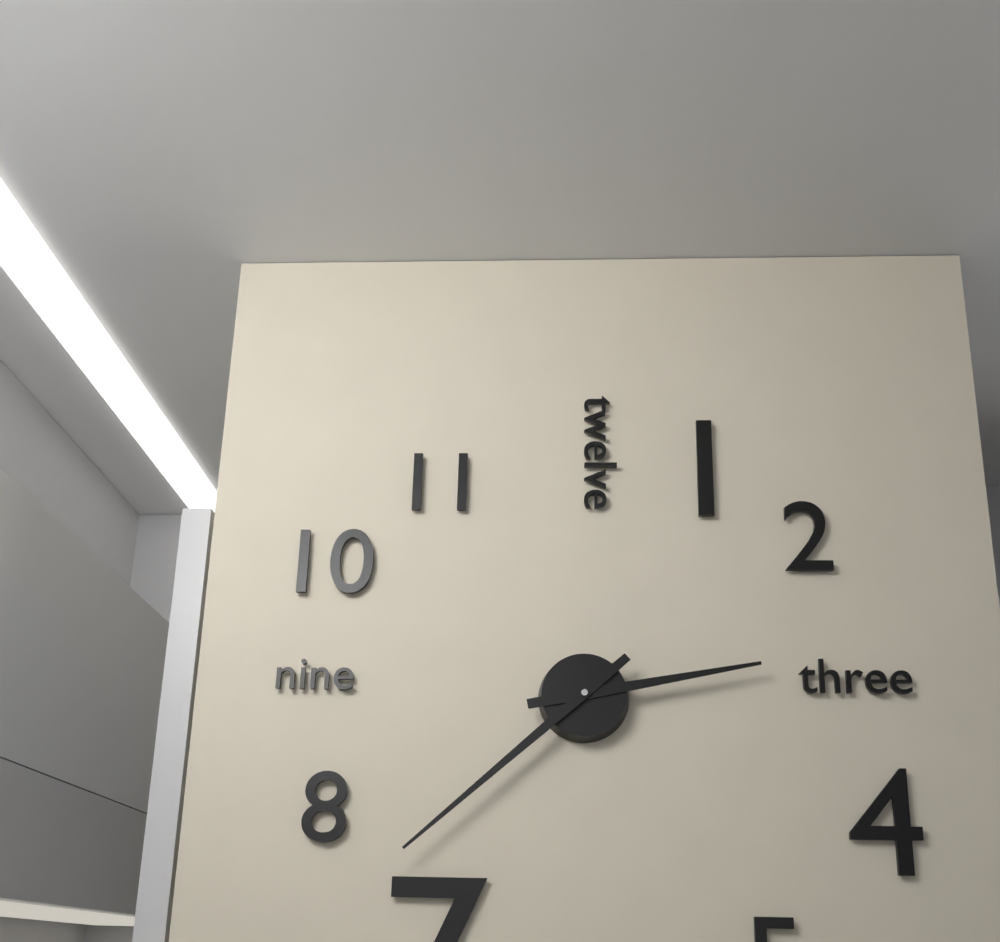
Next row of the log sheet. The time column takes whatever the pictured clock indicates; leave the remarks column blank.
2:38
